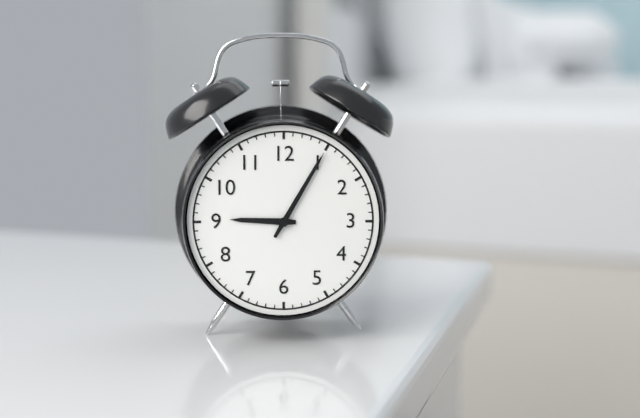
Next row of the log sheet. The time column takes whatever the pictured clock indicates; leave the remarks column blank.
9:05
